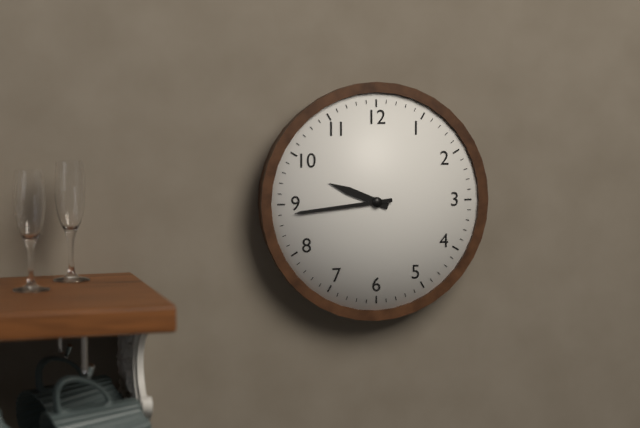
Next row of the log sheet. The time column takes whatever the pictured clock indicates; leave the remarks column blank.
9:44
